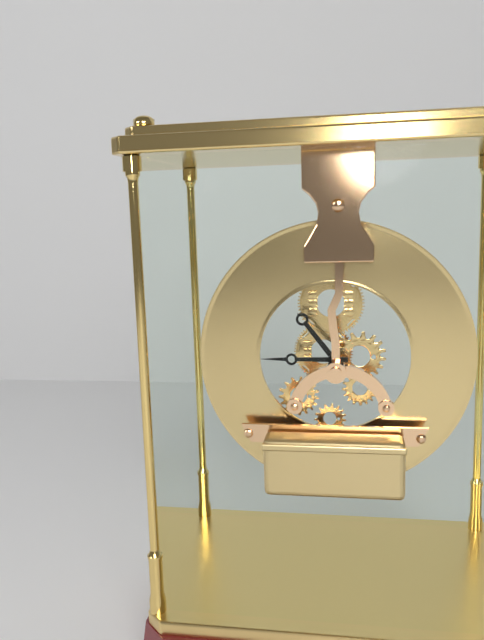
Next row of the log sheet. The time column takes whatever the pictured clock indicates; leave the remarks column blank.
10:45
